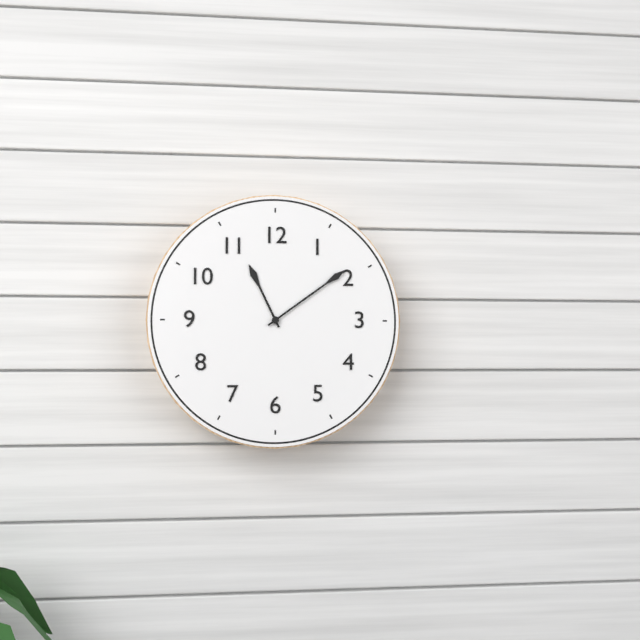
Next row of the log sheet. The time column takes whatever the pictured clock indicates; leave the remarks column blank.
11:09
